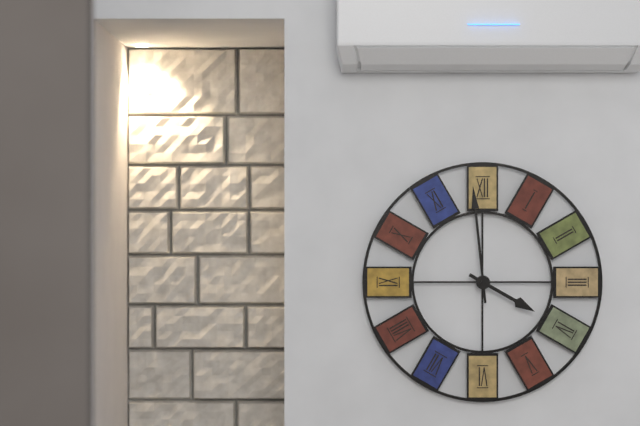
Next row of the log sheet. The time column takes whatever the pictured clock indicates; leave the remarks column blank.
3:59
